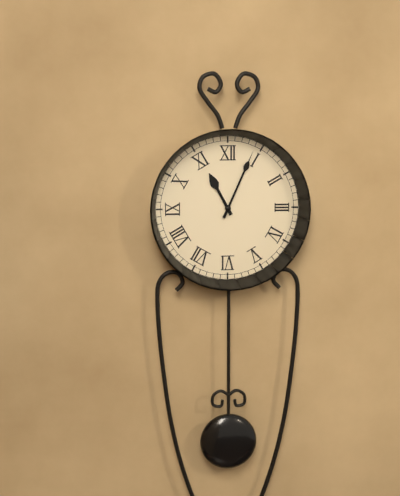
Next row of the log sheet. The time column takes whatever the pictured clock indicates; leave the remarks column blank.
11:04
